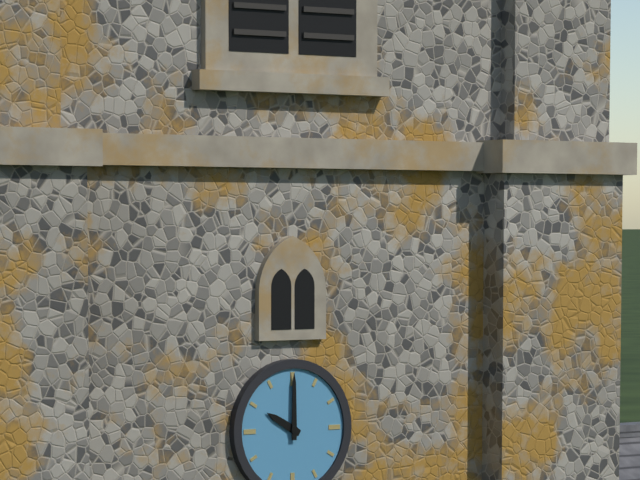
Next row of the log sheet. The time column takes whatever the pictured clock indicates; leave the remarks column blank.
10:00
